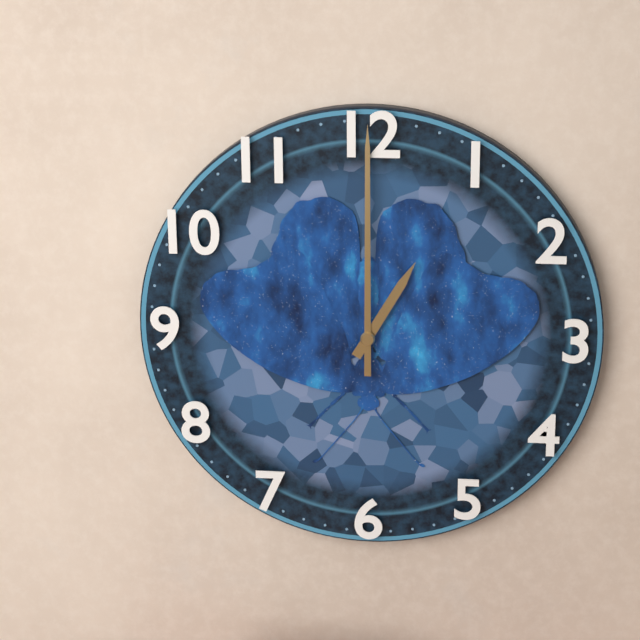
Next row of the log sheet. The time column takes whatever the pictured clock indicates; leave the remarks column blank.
1:00
